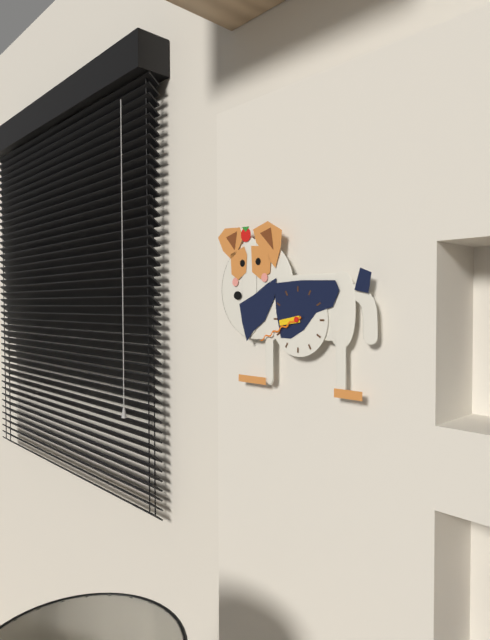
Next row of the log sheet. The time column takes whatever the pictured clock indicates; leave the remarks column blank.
8:41
